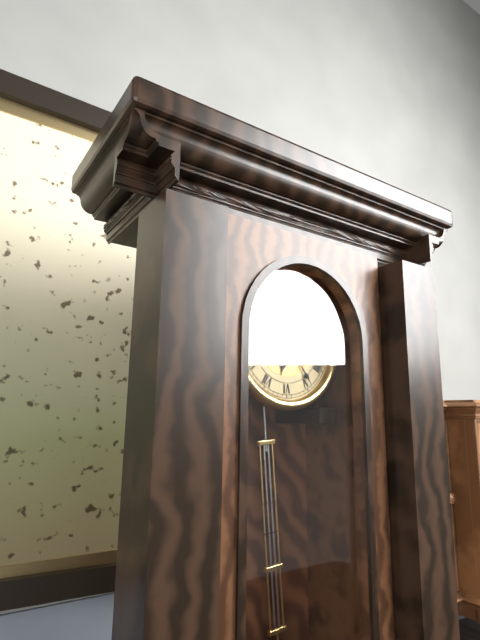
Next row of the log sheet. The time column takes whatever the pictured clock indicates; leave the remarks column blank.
6:24
